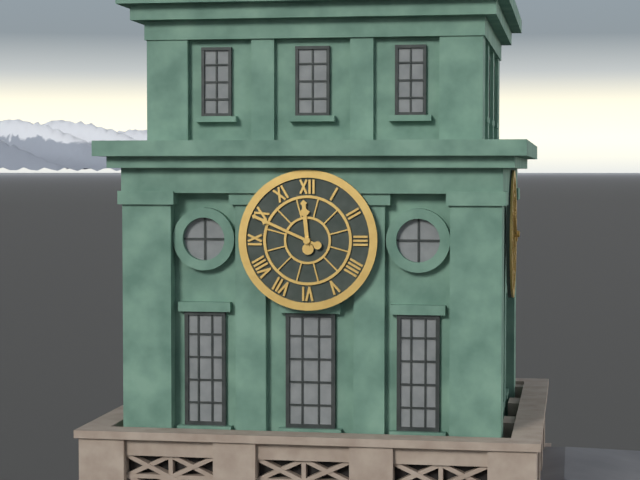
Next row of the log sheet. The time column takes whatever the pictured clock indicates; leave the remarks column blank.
11:49
